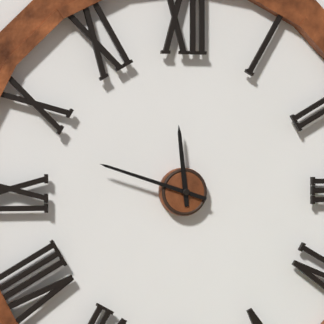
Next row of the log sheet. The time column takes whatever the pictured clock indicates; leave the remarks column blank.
11:48
